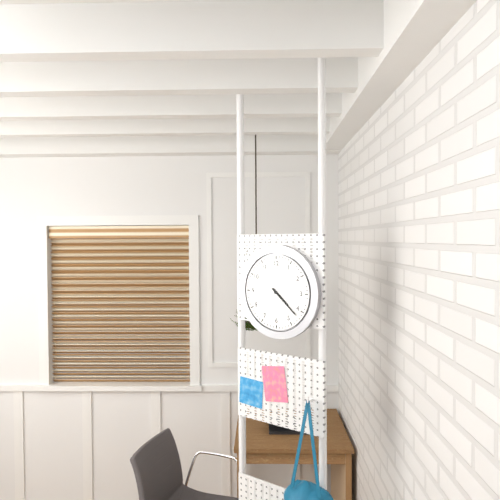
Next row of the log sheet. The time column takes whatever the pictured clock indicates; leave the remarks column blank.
4:22
